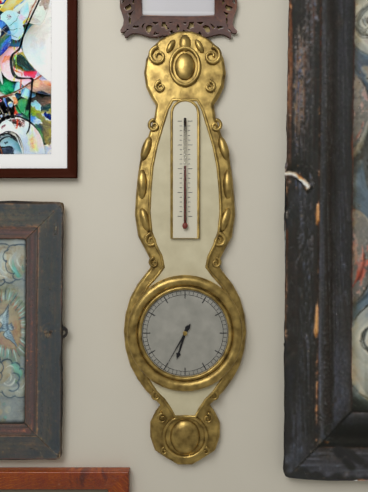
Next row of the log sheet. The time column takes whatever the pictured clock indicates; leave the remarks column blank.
6:35
